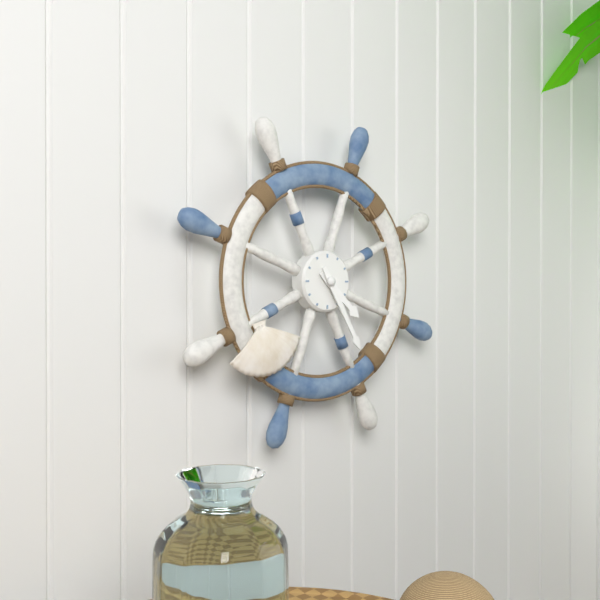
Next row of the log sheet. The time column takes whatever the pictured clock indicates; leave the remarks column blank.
4:25
